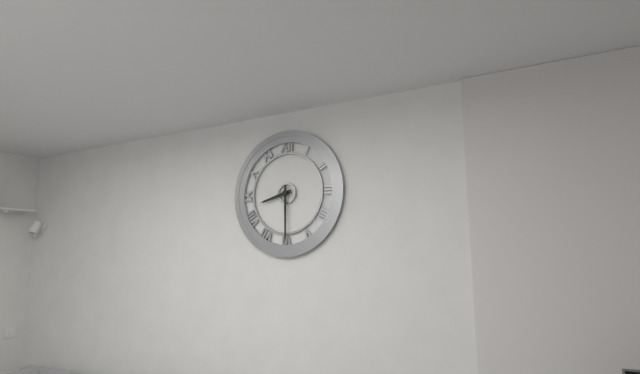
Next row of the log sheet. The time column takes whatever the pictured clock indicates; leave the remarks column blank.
8:30
